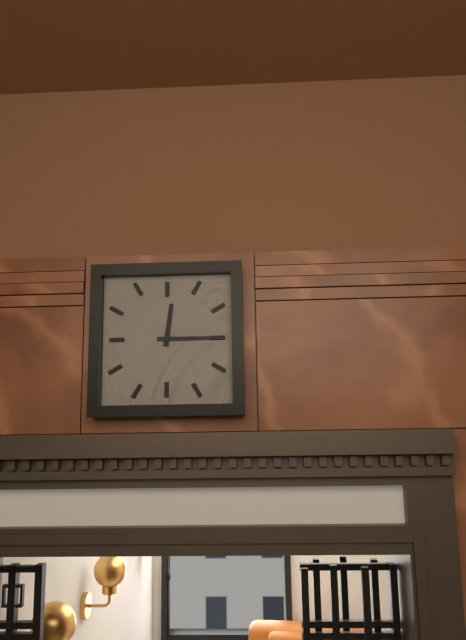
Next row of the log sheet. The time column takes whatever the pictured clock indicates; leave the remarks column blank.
12:15
